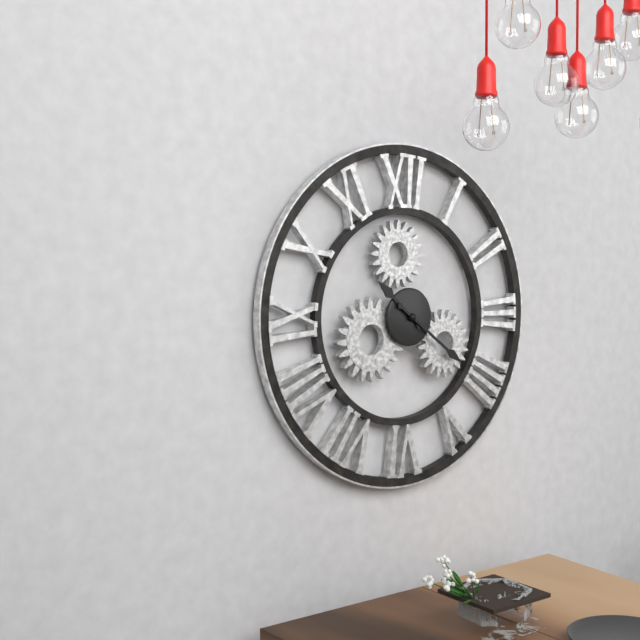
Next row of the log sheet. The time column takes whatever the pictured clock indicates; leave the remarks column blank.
10:21
